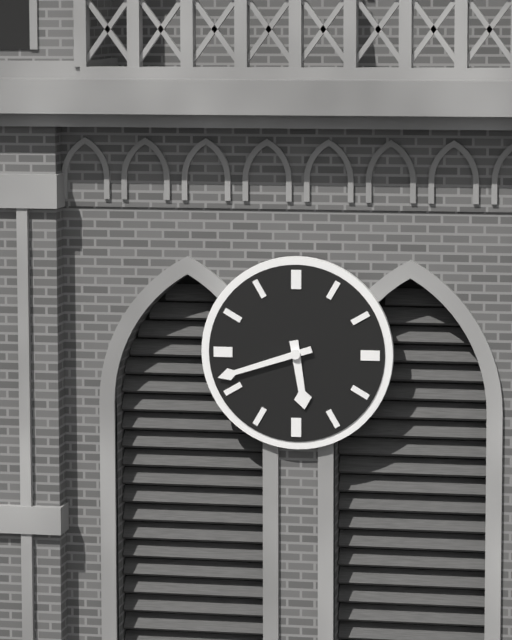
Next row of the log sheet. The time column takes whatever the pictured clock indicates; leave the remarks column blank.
5:42
